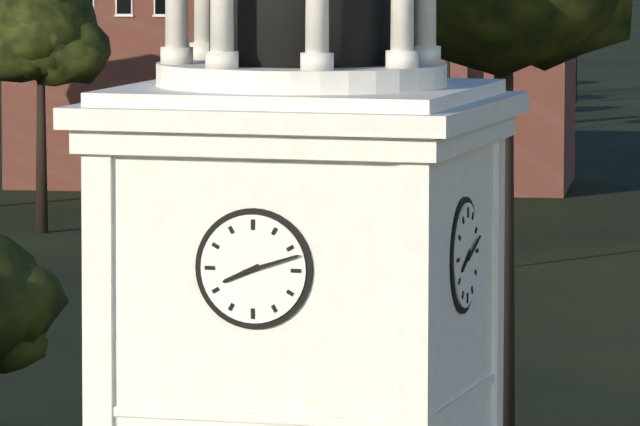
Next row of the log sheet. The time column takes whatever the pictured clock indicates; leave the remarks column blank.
8:12
